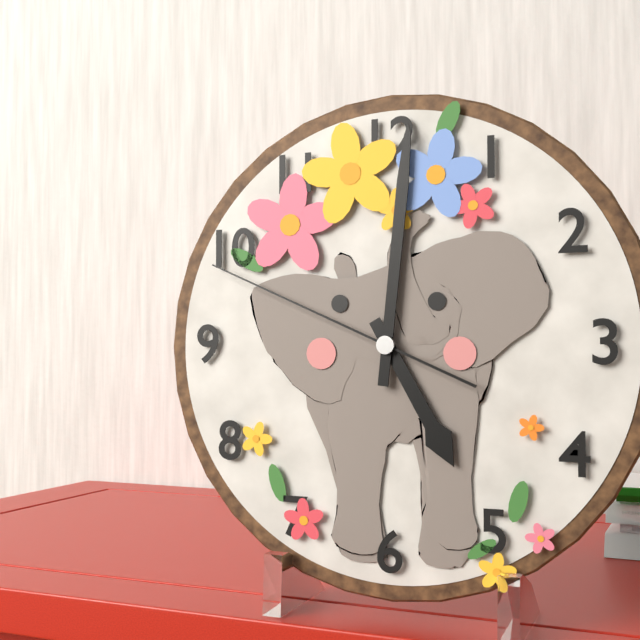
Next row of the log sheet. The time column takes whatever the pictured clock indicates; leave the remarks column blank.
5:01:49
